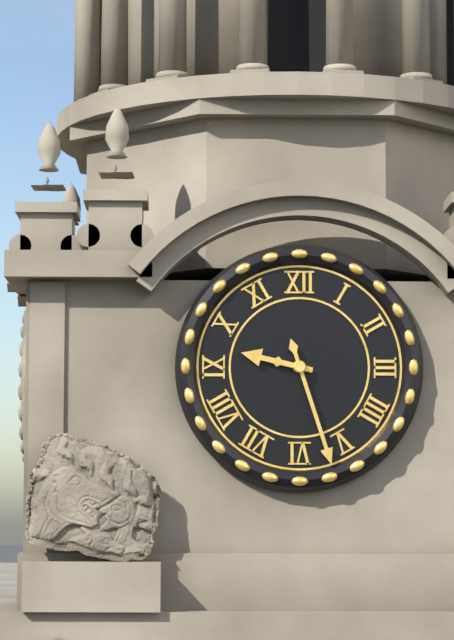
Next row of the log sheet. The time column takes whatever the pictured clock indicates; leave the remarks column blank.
9:27
